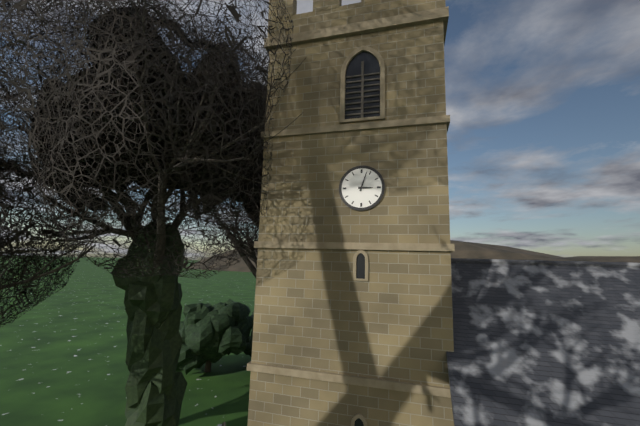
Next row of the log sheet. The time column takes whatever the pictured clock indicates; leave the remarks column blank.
3:03
